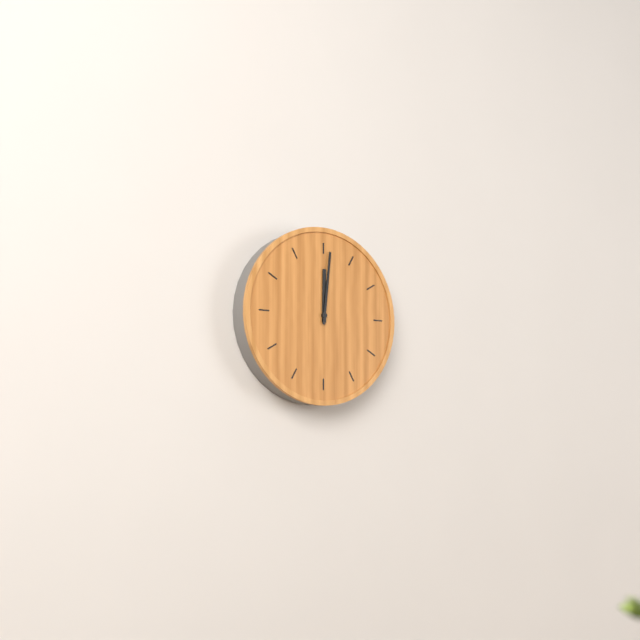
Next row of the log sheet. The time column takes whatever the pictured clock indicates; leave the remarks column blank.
12:01
